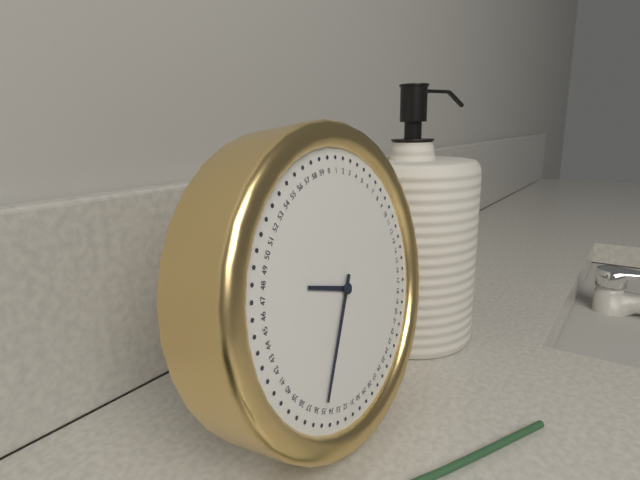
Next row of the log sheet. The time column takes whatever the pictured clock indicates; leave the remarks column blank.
9:35
